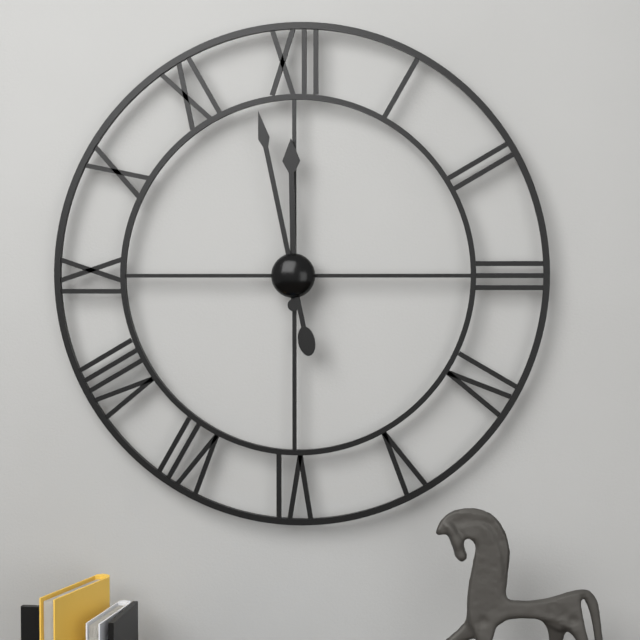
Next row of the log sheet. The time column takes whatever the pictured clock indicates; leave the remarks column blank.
11:58
